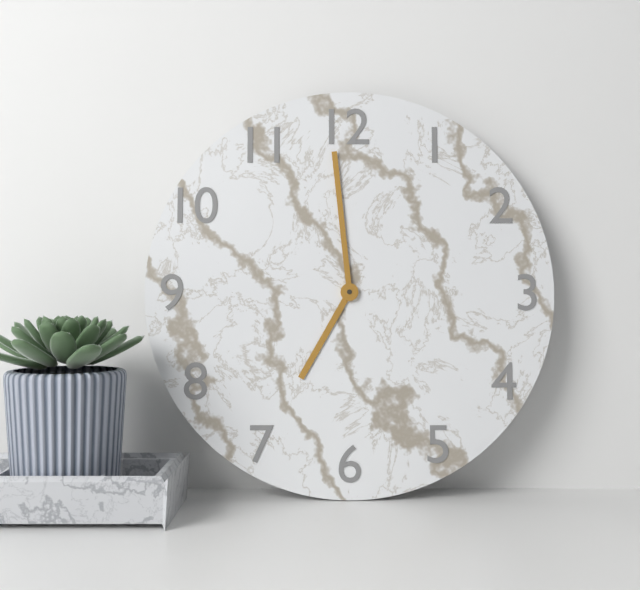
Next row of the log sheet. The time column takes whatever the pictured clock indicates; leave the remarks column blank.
6:59
